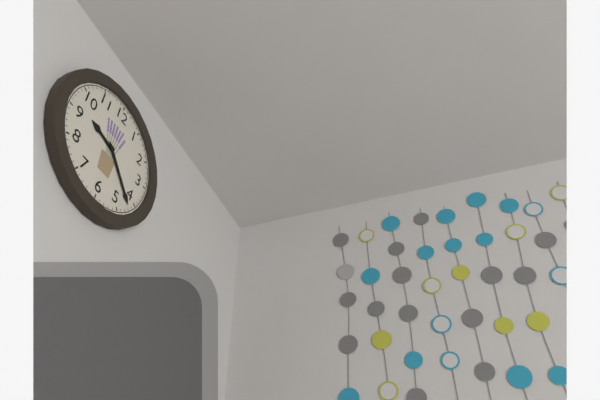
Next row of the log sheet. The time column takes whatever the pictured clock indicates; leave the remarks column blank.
9:22
